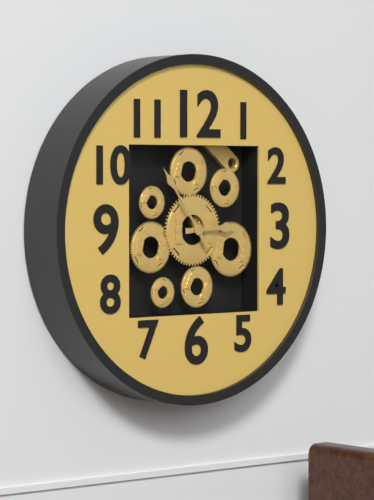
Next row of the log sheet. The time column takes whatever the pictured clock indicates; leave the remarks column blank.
2:54
